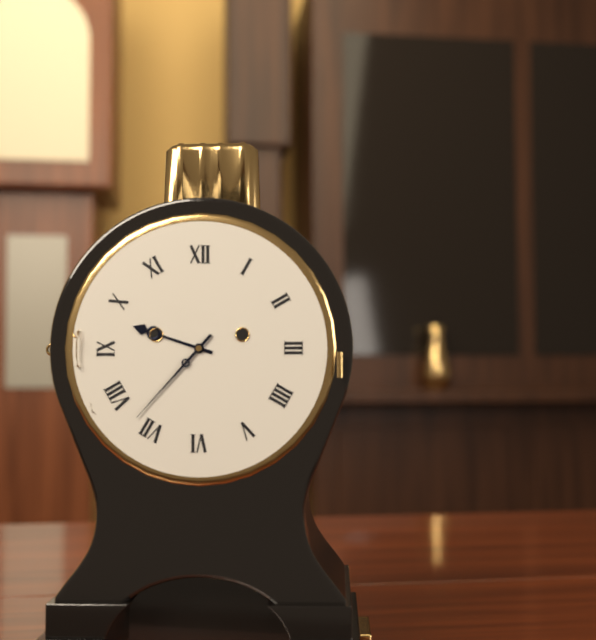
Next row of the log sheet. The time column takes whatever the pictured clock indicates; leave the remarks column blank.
9:37
